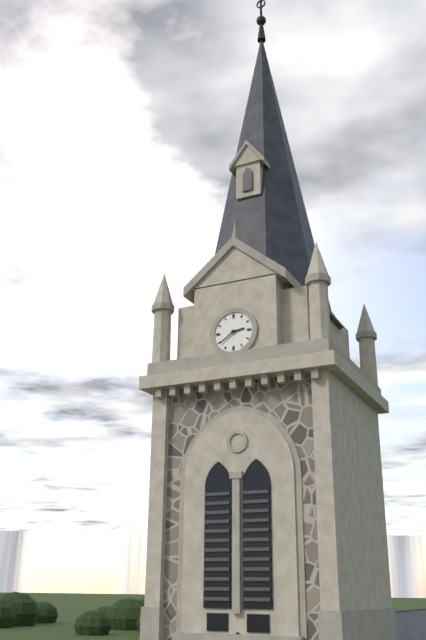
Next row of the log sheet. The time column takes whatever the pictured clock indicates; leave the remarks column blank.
2:39
